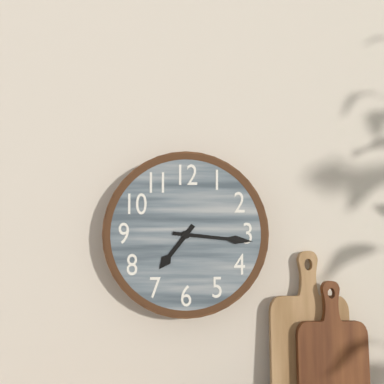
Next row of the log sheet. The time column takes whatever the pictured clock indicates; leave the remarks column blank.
7:16
